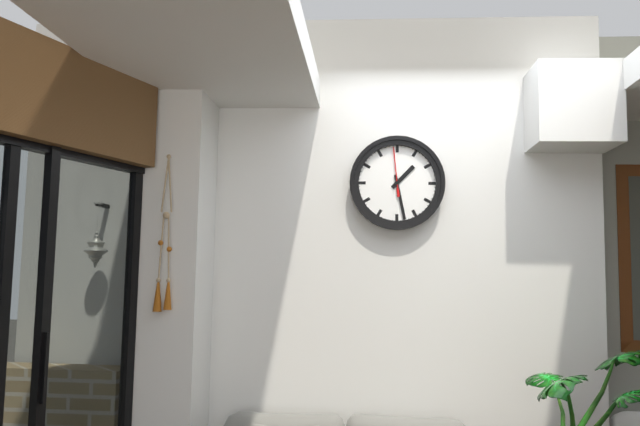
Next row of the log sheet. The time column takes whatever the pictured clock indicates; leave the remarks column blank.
1:28
